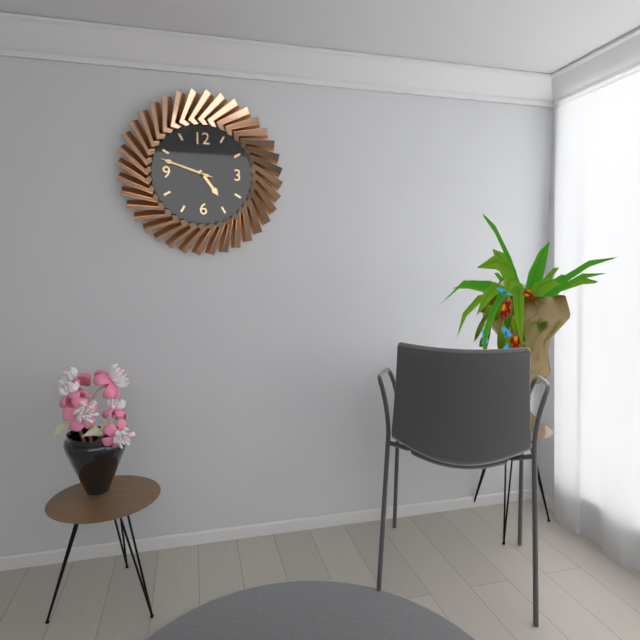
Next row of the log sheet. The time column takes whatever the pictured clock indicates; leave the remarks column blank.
4:48:48
